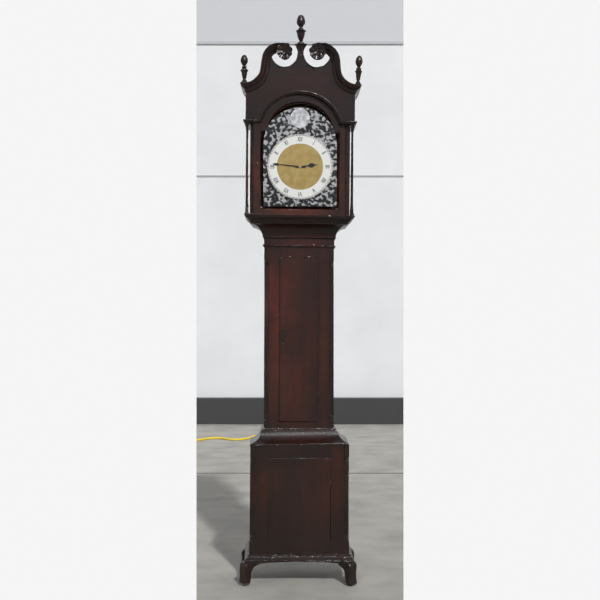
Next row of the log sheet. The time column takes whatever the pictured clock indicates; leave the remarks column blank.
2:46
